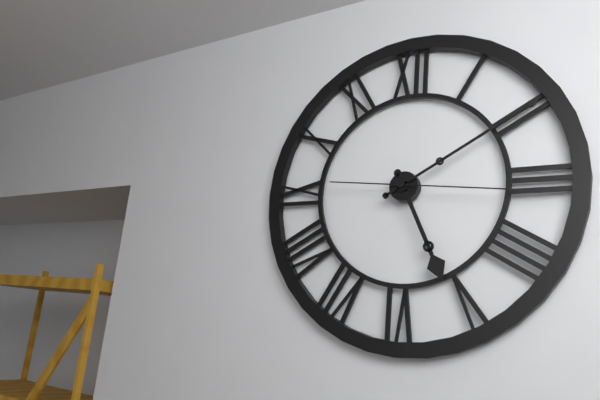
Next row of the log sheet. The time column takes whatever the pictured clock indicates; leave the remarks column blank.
5:10:16
